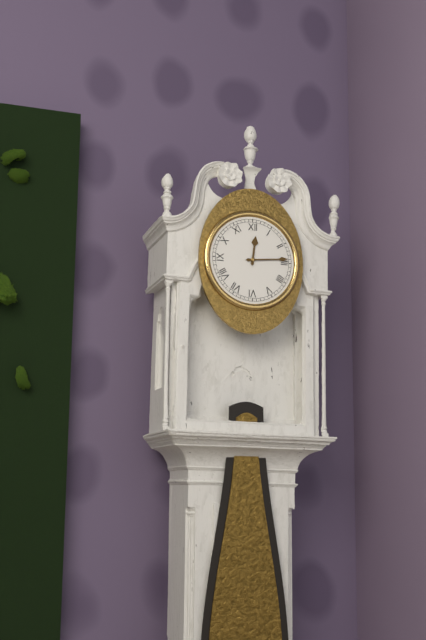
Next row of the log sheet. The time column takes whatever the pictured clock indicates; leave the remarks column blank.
12:14
